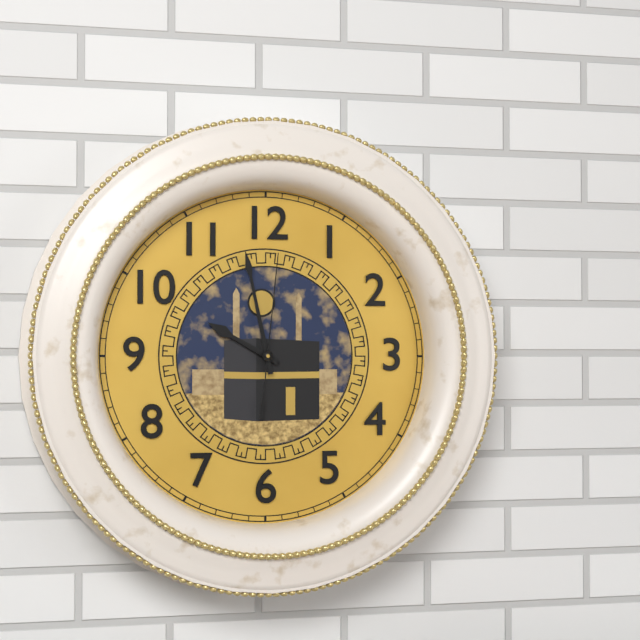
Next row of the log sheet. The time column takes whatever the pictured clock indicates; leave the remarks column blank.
9:58:01
